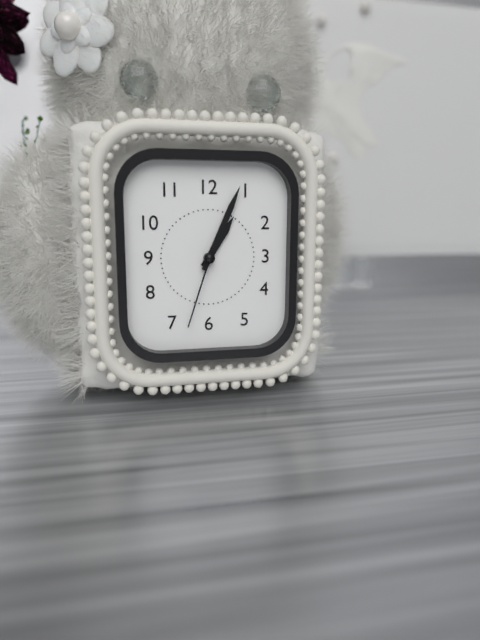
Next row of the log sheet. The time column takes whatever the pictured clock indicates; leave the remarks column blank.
1:04:33
